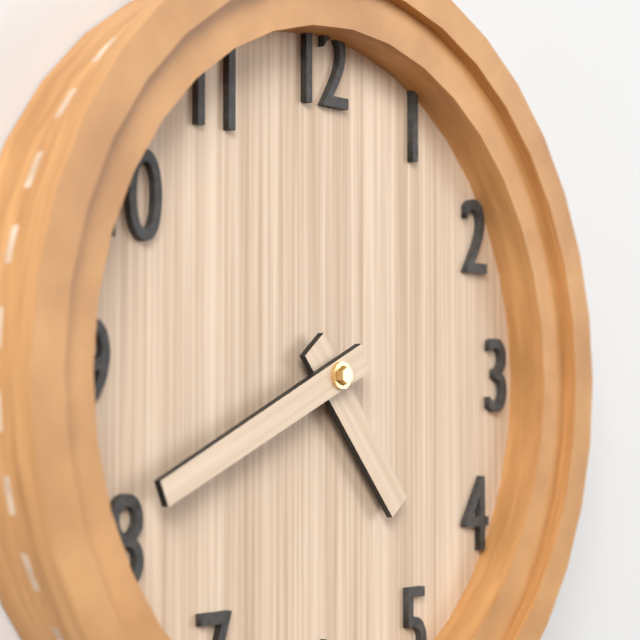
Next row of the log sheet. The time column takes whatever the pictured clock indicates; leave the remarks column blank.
4:41
